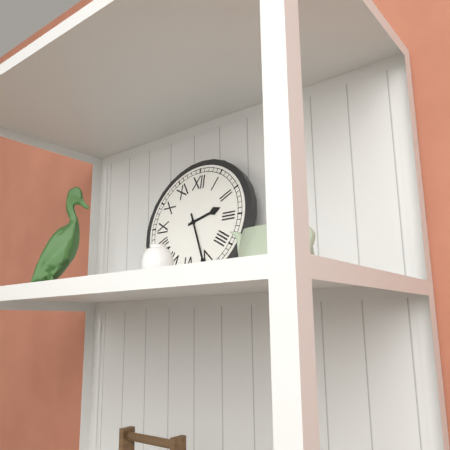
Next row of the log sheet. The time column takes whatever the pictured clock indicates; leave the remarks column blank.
2:26
